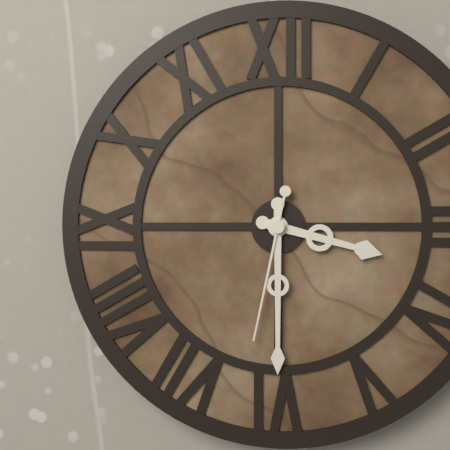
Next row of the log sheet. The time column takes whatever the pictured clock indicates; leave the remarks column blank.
3:30:32
